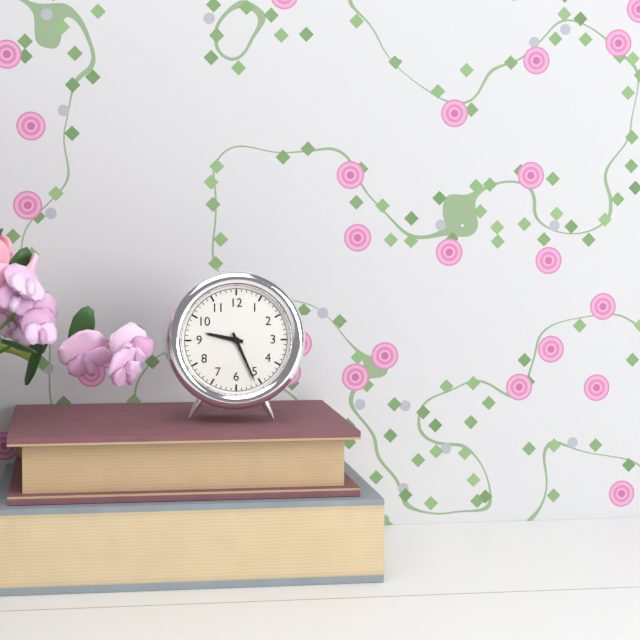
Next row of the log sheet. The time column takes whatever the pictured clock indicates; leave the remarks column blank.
9:26
